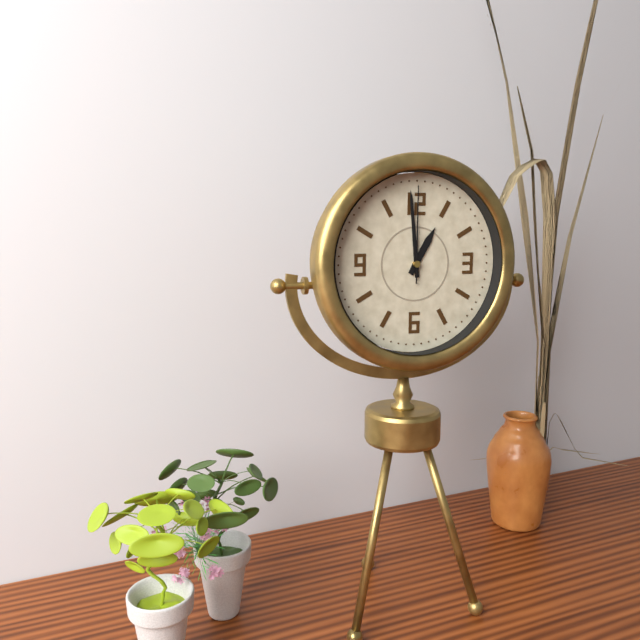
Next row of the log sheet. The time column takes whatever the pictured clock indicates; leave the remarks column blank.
12:59:00
